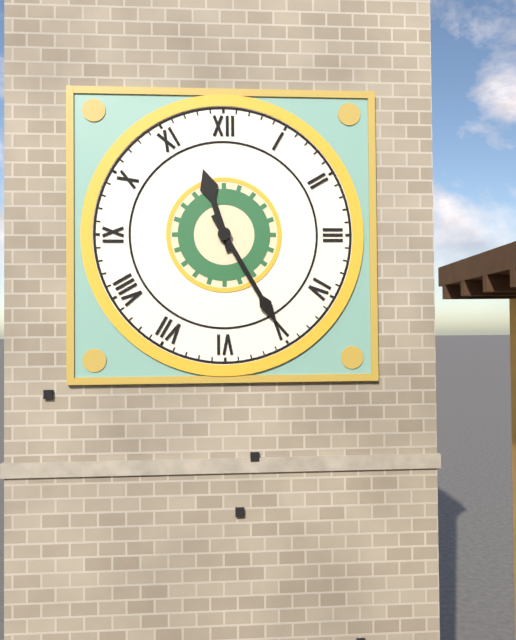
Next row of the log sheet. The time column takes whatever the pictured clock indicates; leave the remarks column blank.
11:25
